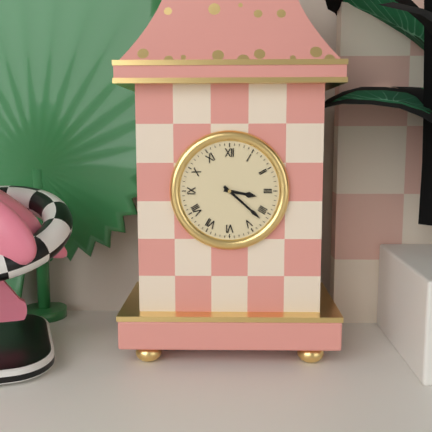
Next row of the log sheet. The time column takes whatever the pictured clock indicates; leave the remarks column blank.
3:22
